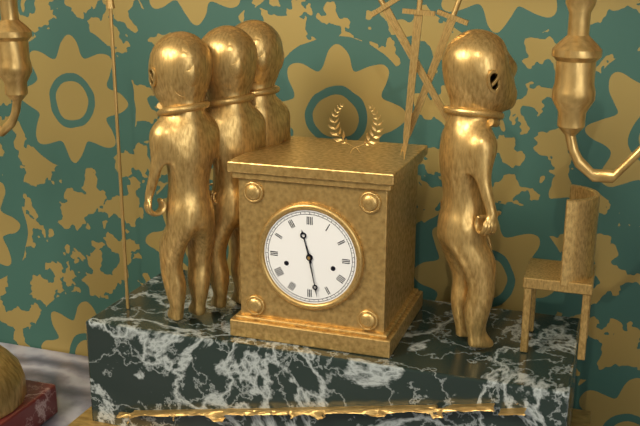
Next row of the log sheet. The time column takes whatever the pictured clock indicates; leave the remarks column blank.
11:28
